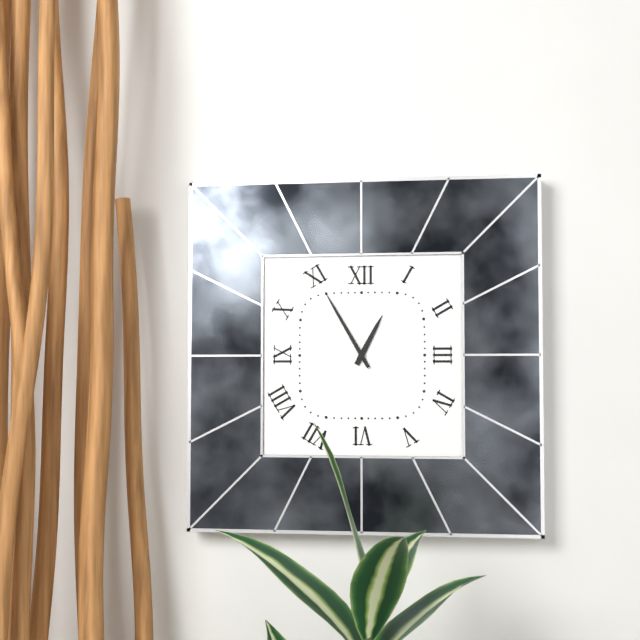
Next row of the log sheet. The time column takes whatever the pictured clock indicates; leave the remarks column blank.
12:55
